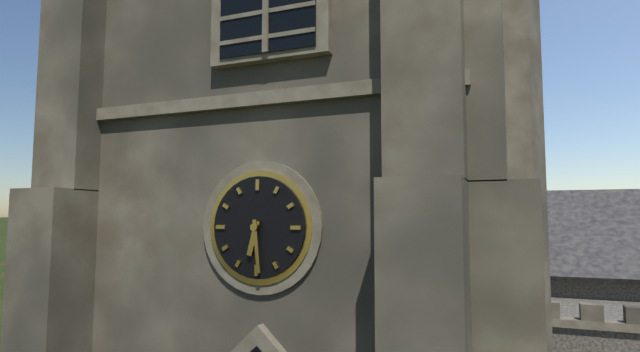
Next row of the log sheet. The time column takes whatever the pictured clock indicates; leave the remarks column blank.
6:29
